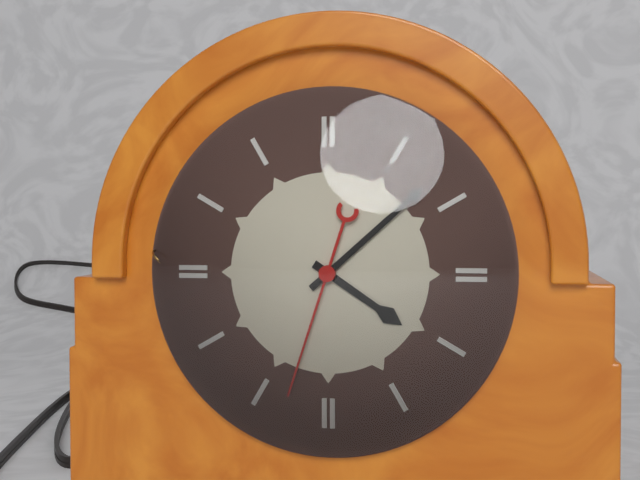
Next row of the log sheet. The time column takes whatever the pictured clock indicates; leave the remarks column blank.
4:08:33
